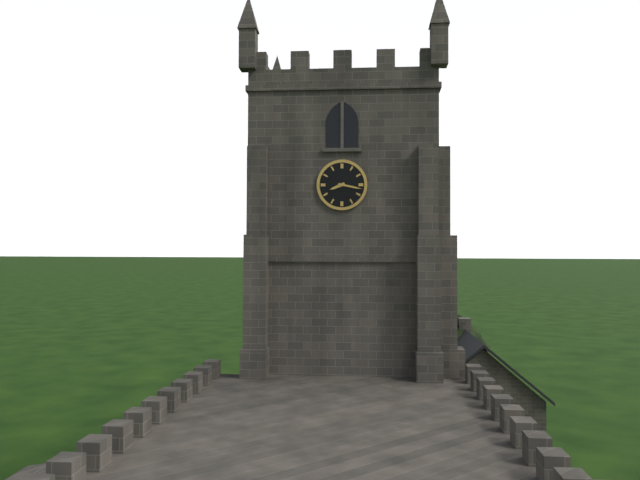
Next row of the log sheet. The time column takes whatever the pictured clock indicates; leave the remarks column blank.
8:17
